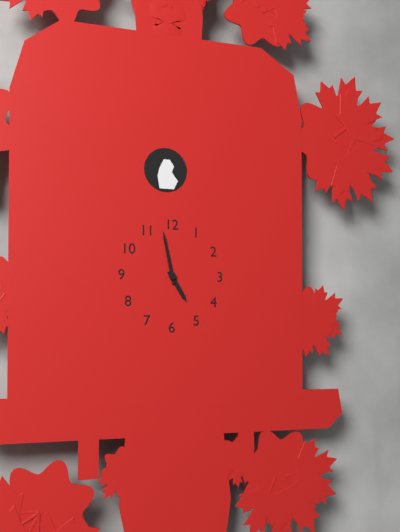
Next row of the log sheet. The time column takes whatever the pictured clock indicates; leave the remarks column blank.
4:58
